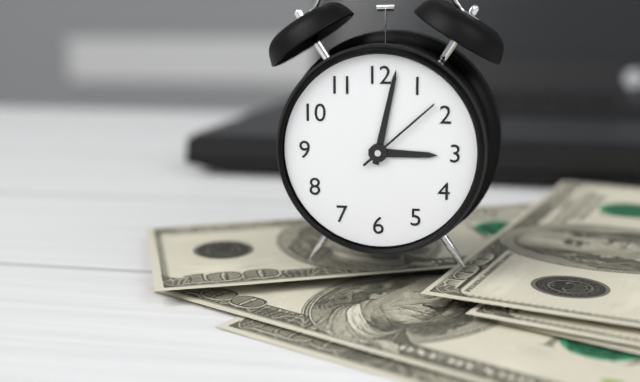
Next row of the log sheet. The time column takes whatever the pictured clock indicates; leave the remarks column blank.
3:02:08
